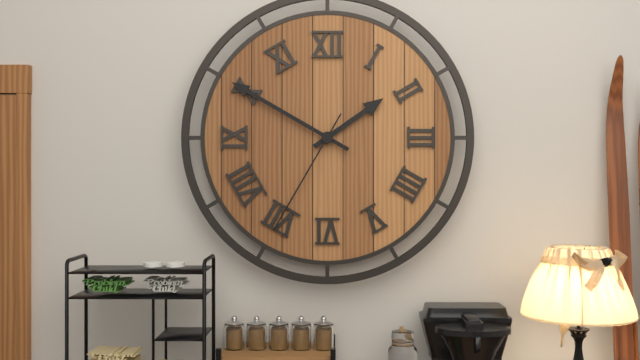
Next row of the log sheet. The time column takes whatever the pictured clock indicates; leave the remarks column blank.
1:50:35
